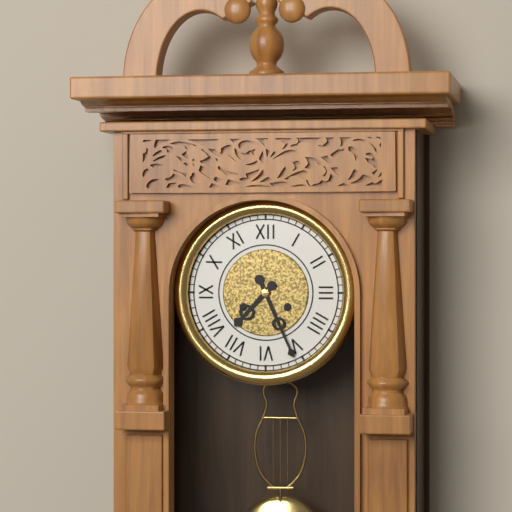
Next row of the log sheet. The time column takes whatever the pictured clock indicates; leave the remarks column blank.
7:26
